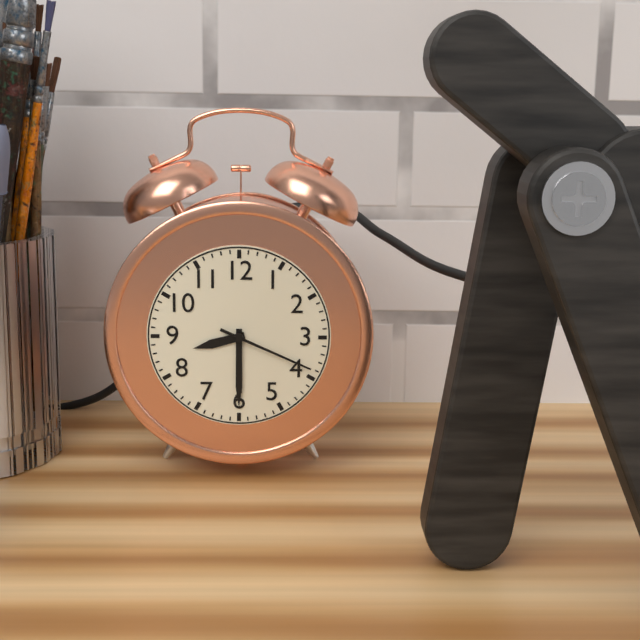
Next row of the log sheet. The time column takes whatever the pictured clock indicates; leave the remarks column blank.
8:30:19
